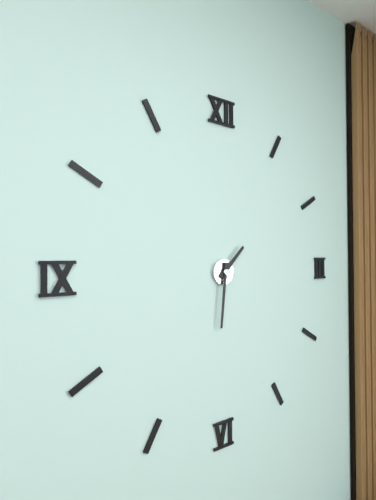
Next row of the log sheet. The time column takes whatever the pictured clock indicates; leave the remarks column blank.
1:31
